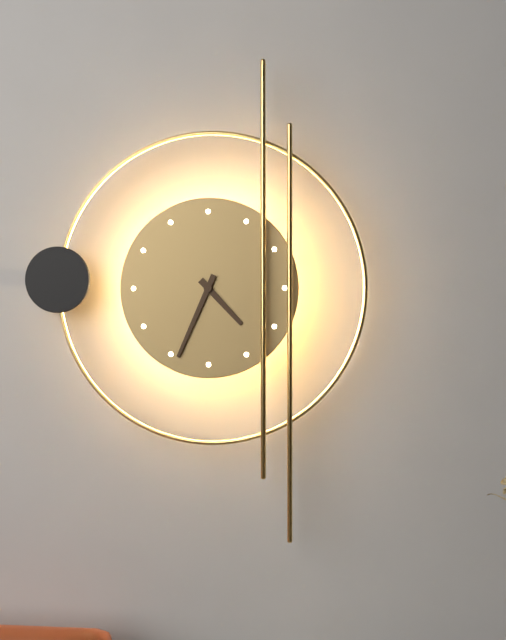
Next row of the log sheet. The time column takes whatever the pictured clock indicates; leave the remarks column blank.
4:34
